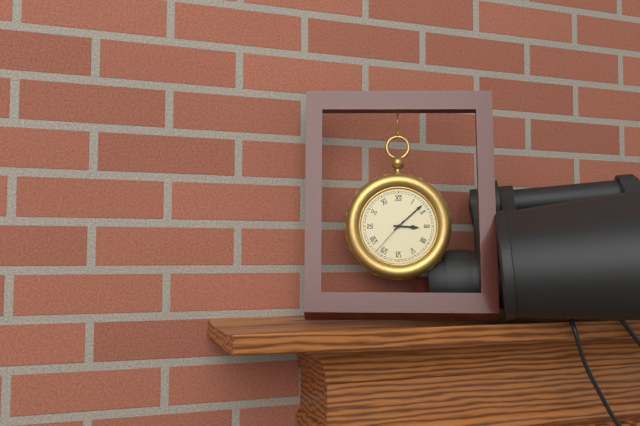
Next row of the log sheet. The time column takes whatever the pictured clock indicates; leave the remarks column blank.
3:08
